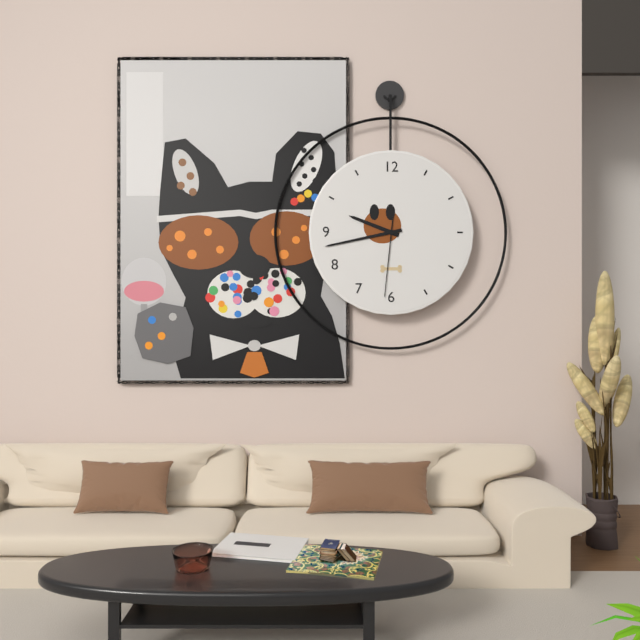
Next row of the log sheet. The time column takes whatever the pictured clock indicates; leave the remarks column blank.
9:43:31
